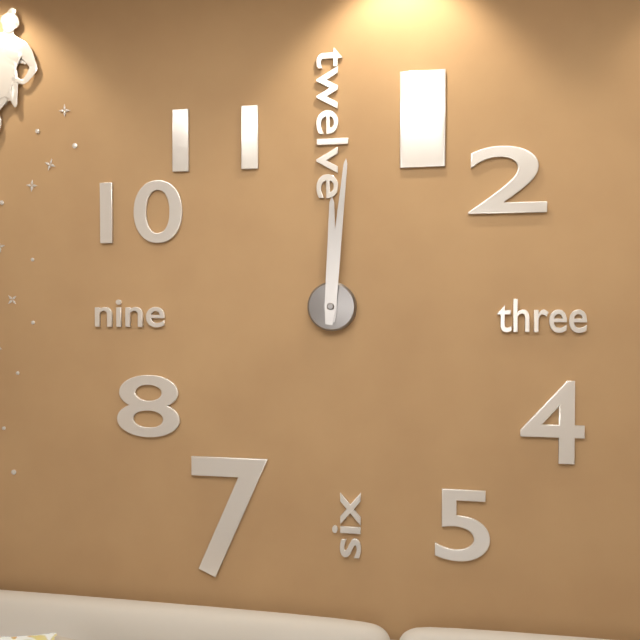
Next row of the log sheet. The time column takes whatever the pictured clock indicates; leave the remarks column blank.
12:01
